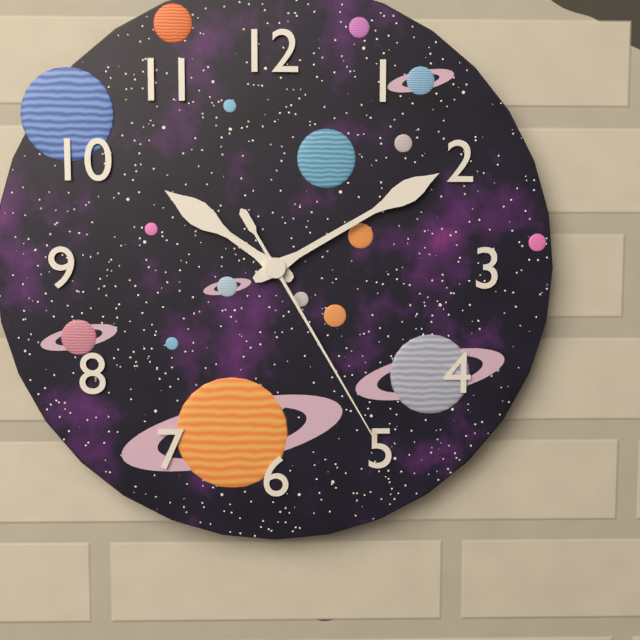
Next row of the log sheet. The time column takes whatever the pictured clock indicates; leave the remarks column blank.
10:10:25
